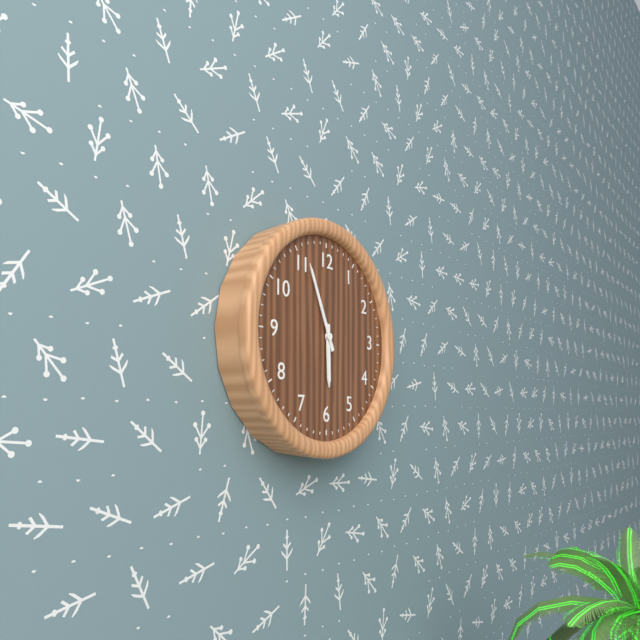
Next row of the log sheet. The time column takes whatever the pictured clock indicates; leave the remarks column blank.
5:56
